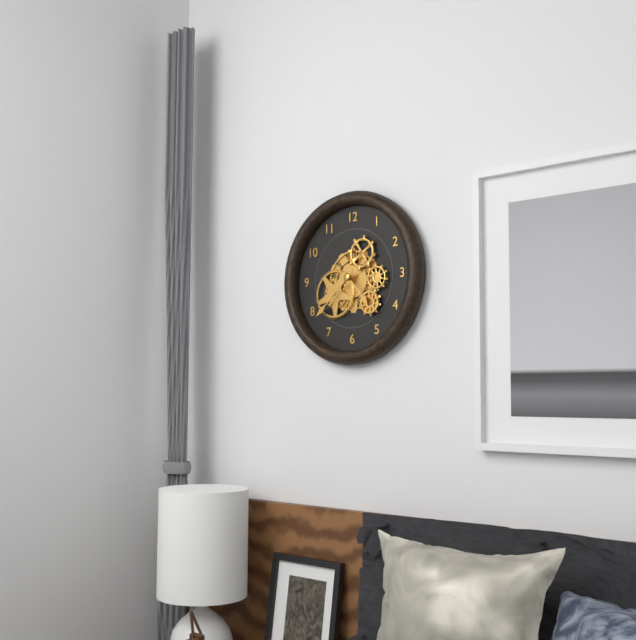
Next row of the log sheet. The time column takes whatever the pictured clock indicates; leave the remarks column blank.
4:38
